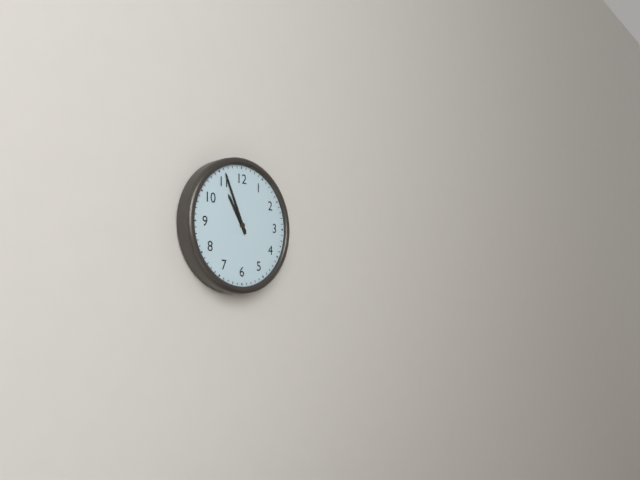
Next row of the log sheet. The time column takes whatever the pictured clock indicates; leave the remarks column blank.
10:56
